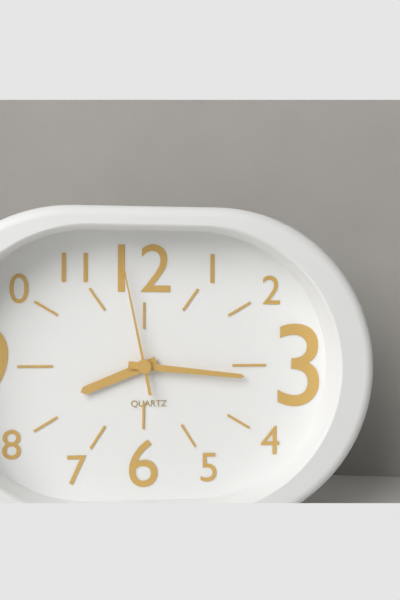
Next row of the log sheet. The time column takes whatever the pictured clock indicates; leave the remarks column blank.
8:16:58
